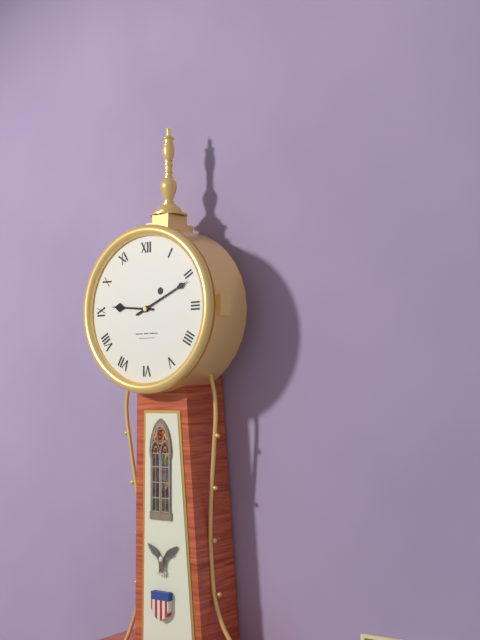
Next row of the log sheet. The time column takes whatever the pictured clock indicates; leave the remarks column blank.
9:11
